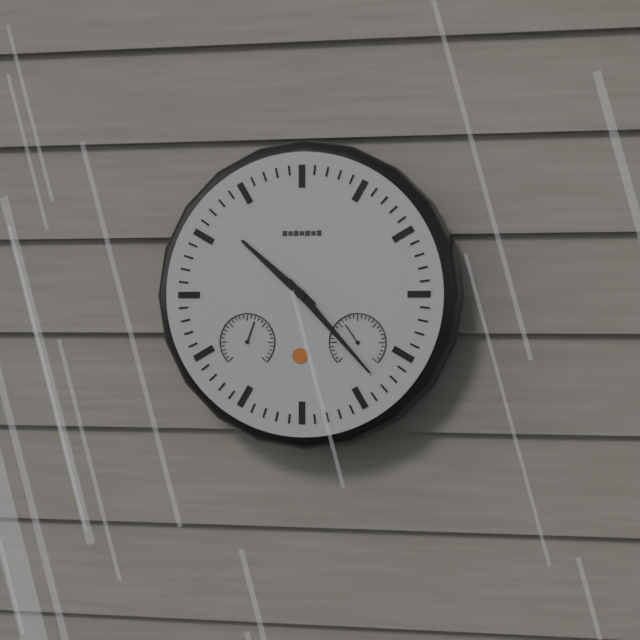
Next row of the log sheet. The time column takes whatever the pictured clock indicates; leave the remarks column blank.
10:23
